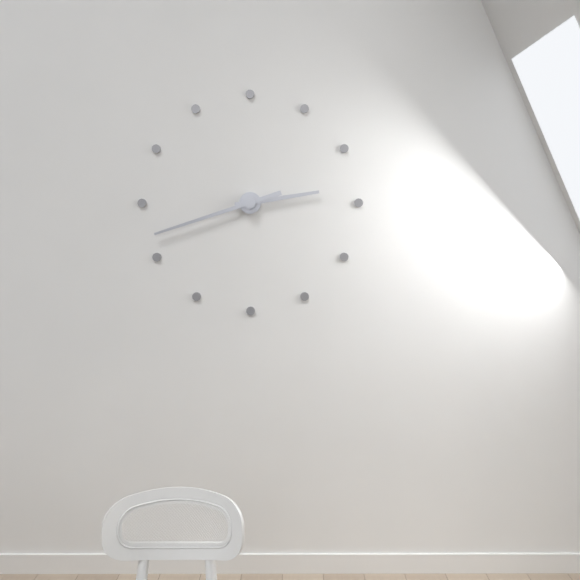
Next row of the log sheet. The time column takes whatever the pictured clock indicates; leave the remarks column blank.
2:42
